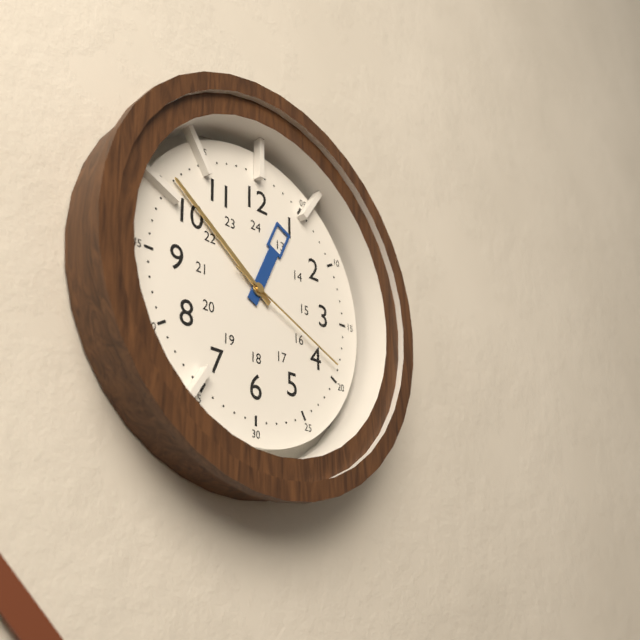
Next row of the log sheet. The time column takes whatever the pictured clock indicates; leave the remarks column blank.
12:51:19
